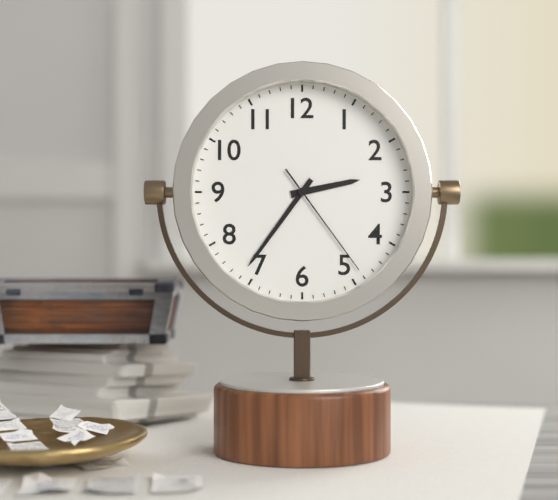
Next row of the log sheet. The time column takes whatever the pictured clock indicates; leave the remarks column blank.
2:36:24
